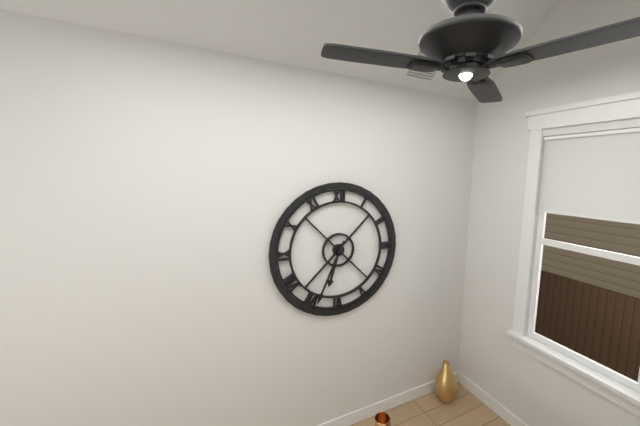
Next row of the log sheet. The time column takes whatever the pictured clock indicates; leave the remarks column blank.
6:34
